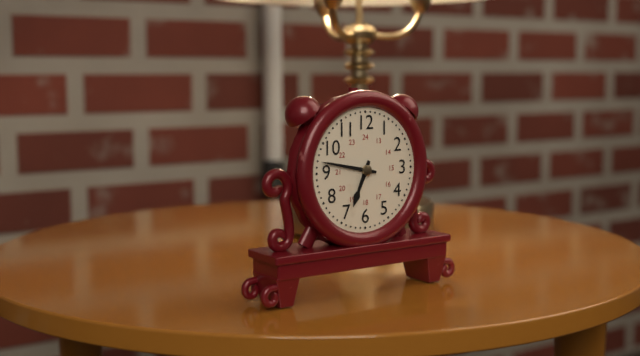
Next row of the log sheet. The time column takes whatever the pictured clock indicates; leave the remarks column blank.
6:47
